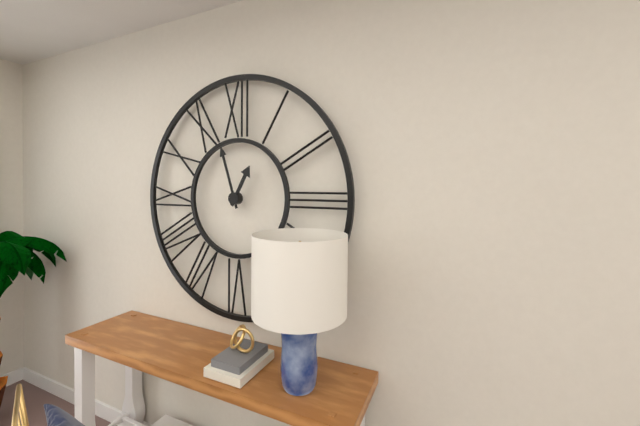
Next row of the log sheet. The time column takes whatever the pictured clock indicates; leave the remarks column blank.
12:57
